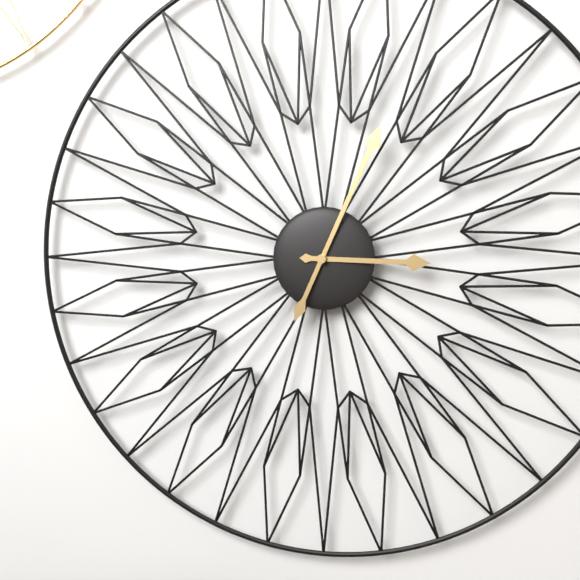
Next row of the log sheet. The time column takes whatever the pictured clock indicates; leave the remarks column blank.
3:04
